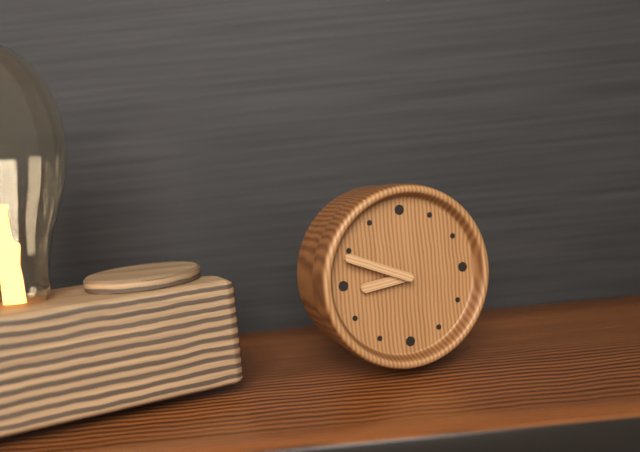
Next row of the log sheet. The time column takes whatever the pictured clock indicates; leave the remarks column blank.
8:49
